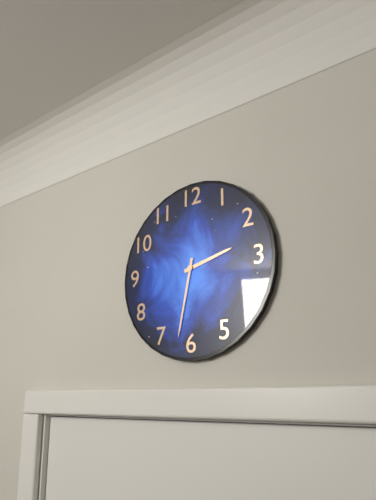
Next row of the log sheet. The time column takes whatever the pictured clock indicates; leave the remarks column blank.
2:32
